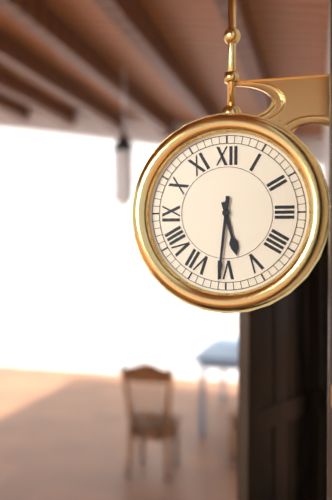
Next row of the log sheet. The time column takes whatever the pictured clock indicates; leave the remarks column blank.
5:31
